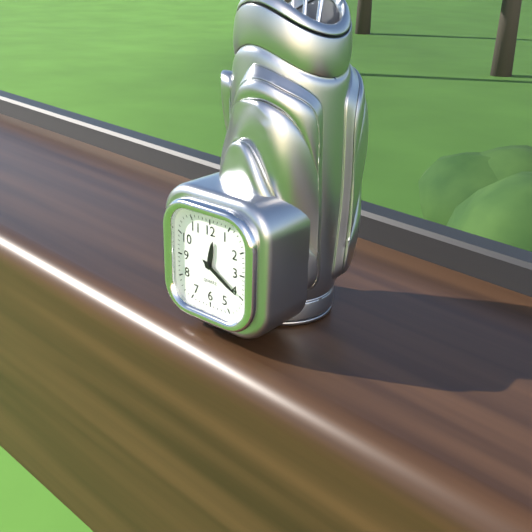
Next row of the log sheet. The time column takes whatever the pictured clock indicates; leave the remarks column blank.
12:20
